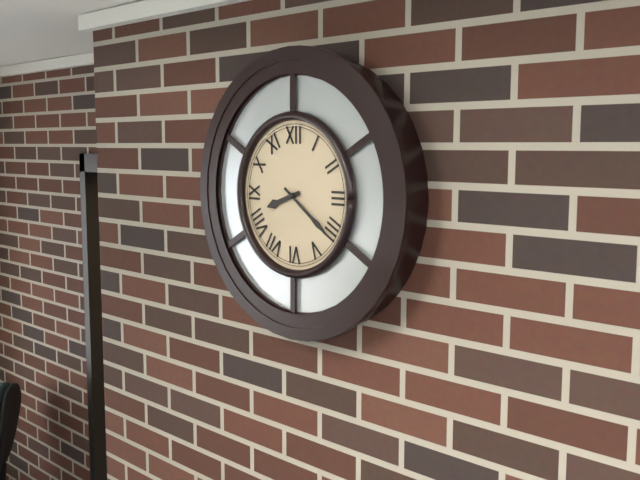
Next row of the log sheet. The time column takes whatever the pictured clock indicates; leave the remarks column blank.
8:21
